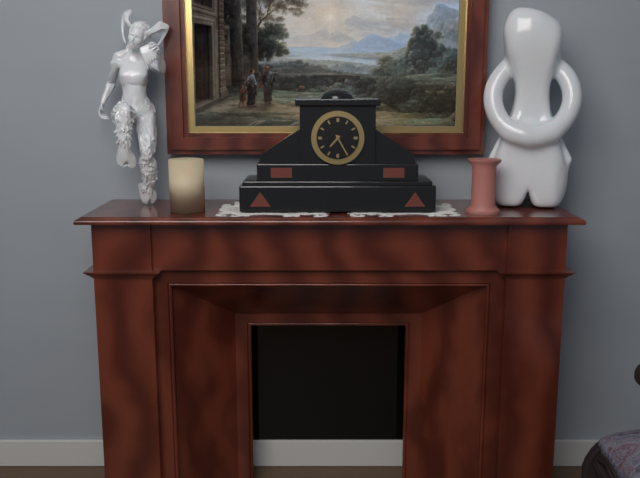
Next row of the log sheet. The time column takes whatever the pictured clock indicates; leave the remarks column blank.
7:25
